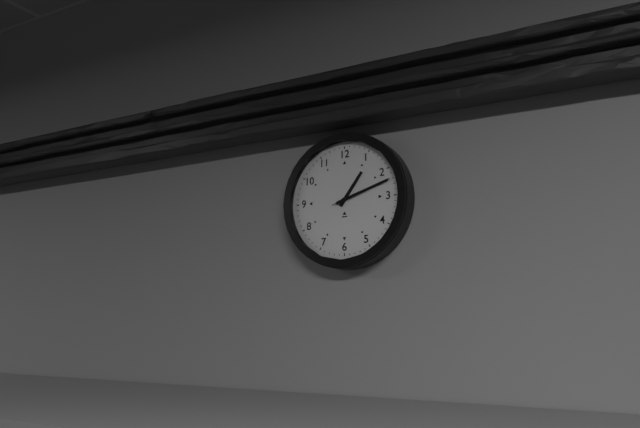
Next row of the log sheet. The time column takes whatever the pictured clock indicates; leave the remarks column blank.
1:12:12
